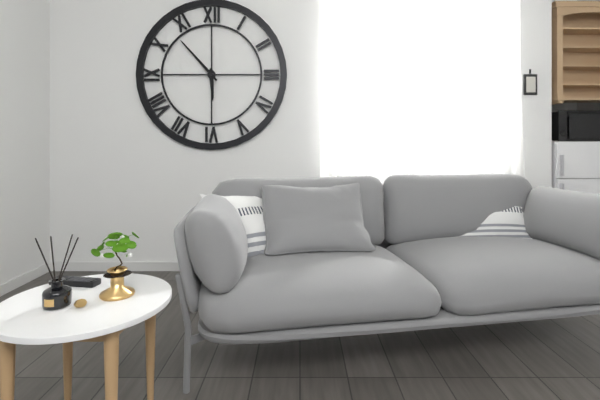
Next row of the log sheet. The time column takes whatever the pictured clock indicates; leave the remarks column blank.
5:53
